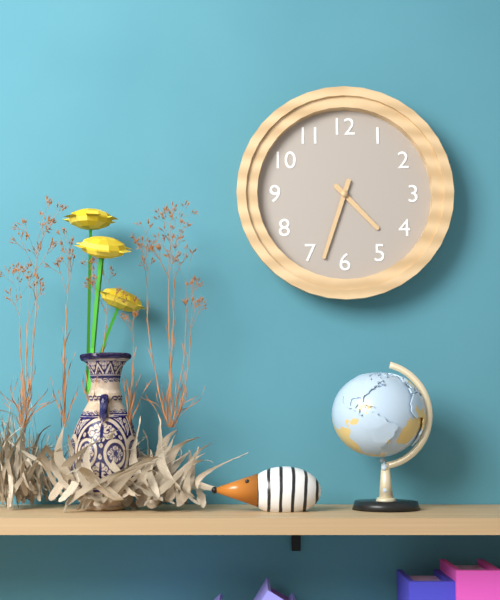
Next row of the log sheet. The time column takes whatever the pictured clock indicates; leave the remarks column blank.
4:33
